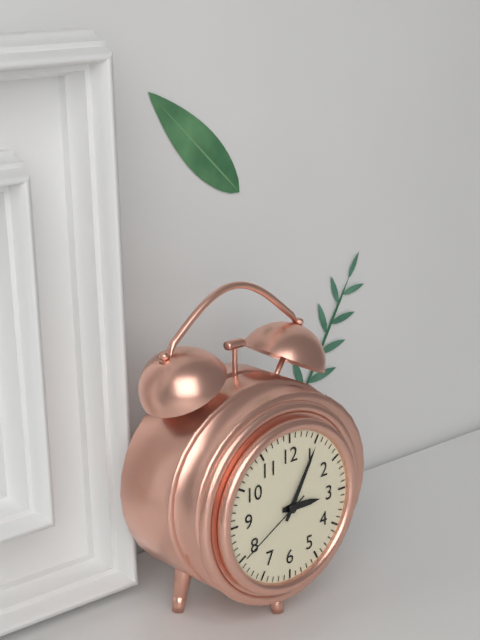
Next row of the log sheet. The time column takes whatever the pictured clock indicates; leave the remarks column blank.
3:05:40
